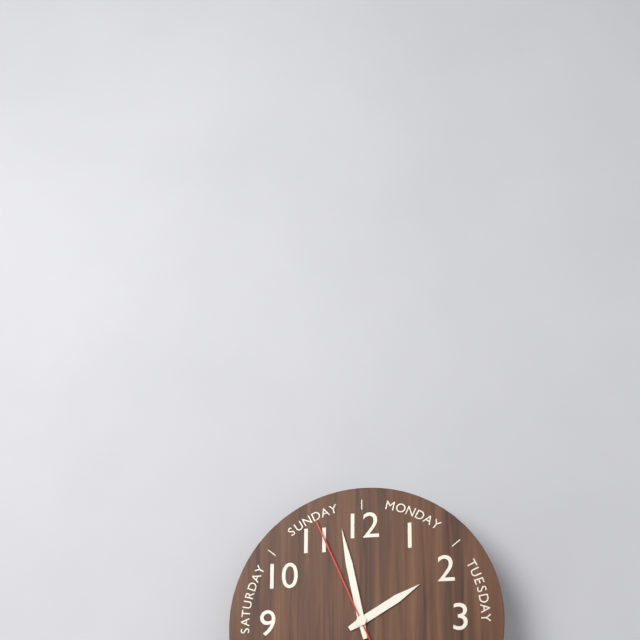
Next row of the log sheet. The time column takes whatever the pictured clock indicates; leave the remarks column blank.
1:58:56
